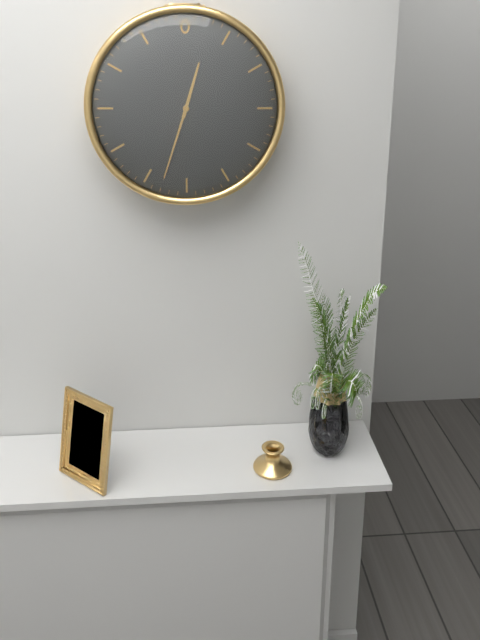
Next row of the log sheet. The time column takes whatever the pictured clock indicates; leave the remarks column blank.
12:33
